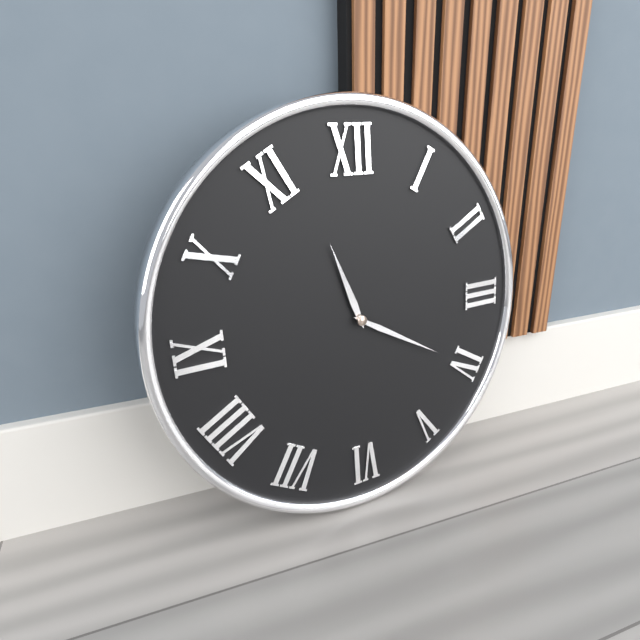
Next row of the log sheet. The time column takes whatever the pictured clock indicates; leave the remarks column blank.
11:20
